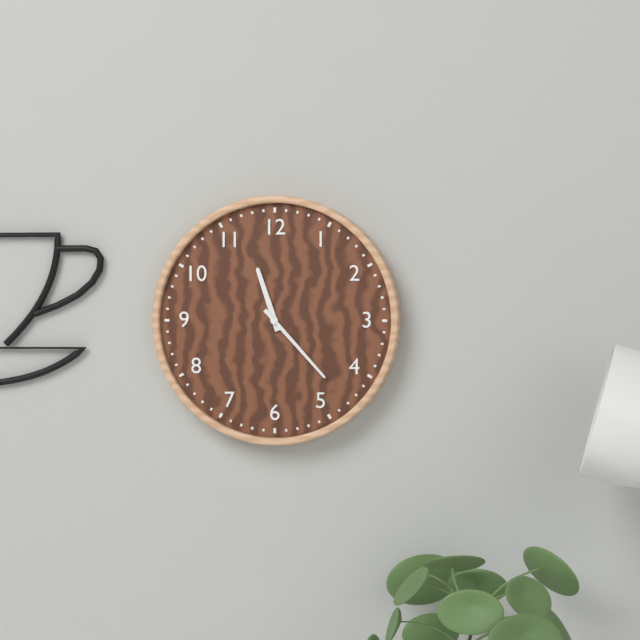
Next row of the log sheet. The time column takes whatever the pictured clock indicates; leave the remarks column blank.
11:23
